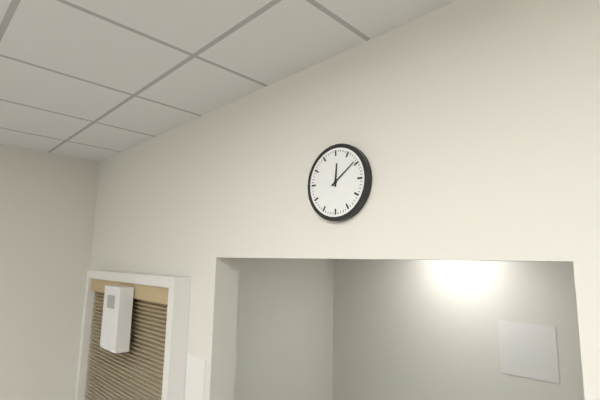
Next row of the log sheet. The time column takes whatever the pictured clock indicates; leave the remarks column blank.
12:09
